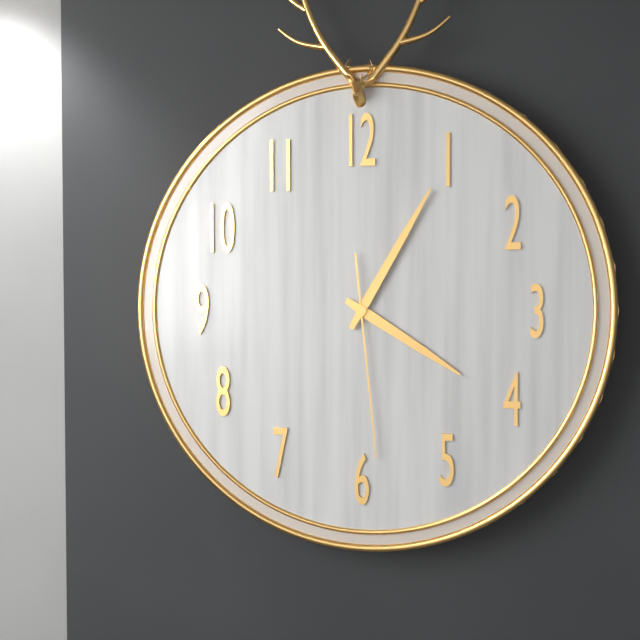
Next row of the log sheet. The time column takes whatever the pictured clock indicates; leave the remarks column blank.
4:05:29
